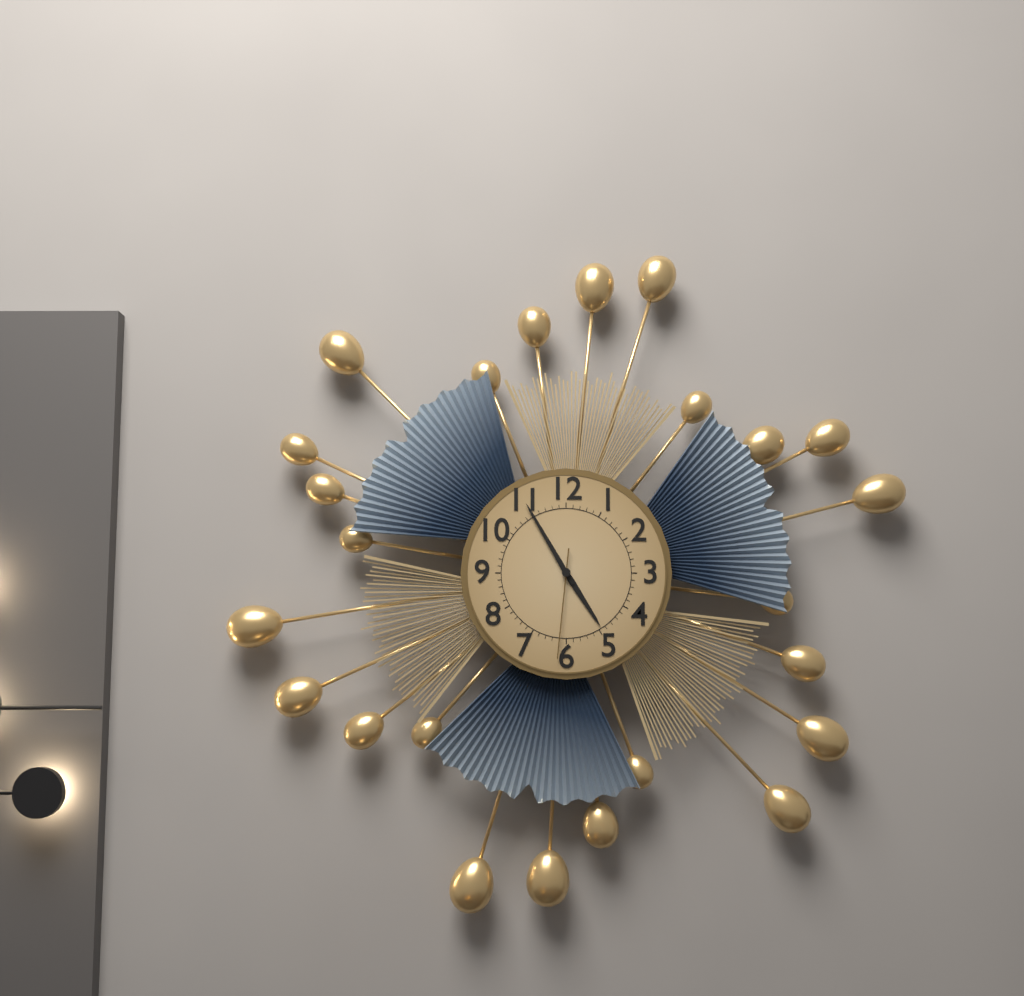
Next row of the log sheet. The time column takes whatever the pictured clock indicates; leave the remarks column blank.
4:55:31
